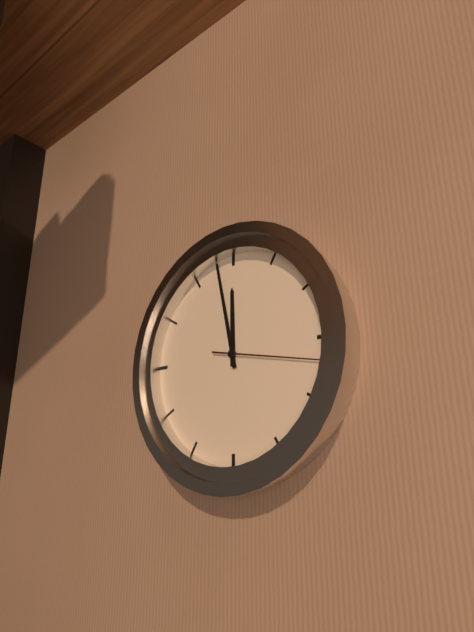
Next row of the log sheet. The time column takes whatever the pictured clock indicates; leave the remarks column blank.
11:58:17
